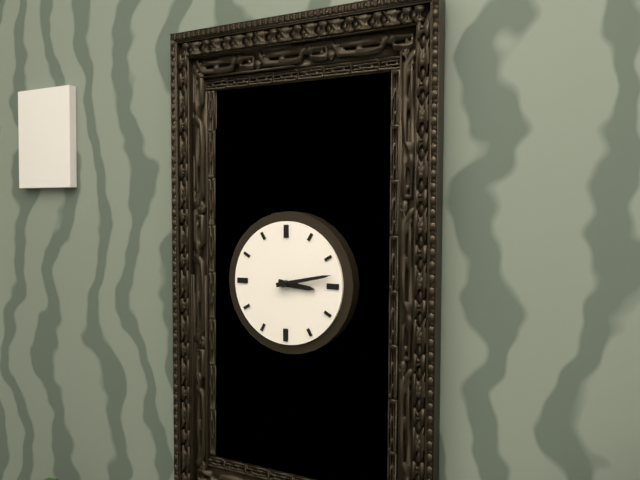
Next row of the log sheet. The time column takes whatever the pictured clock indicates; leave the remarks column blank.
3:13
